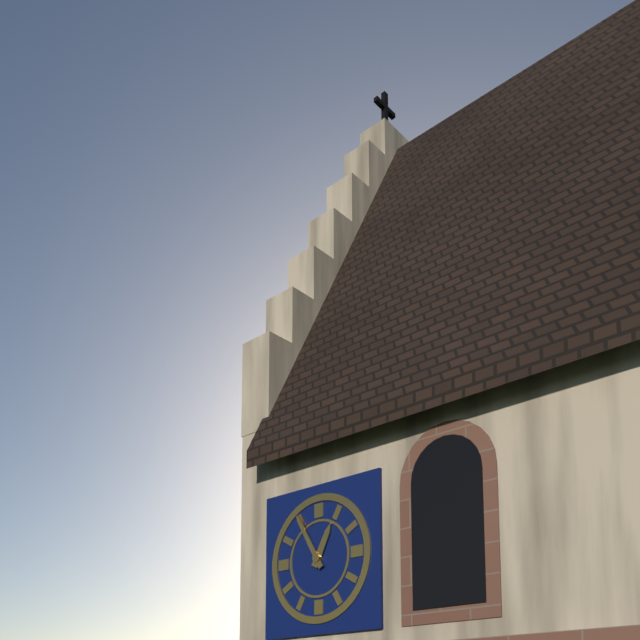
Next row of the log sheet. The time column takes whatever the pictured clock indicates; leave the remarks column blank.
12:55
